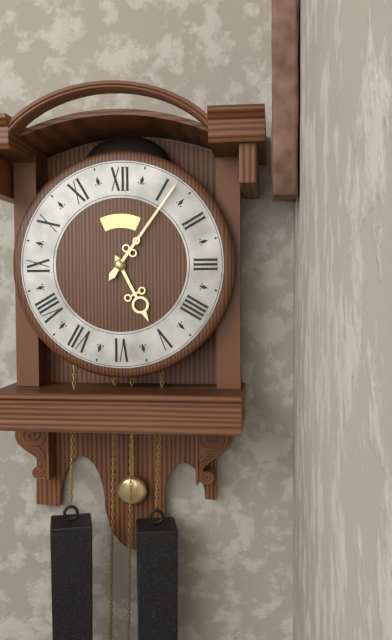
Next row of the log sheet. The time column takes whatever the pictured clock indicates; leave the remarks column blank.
5:06
